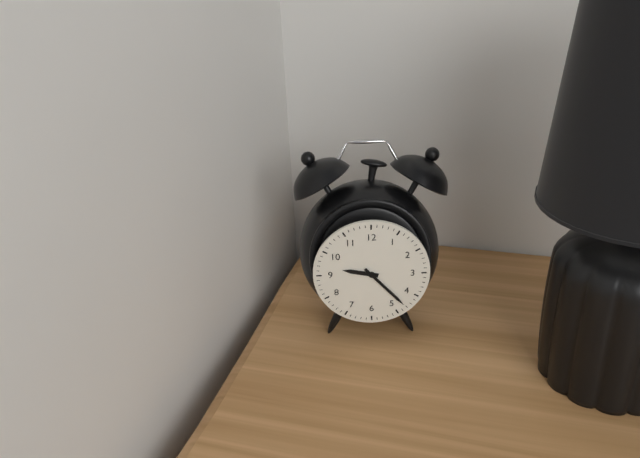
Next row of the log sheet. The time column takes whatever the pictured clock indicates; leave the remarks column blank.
9:23
